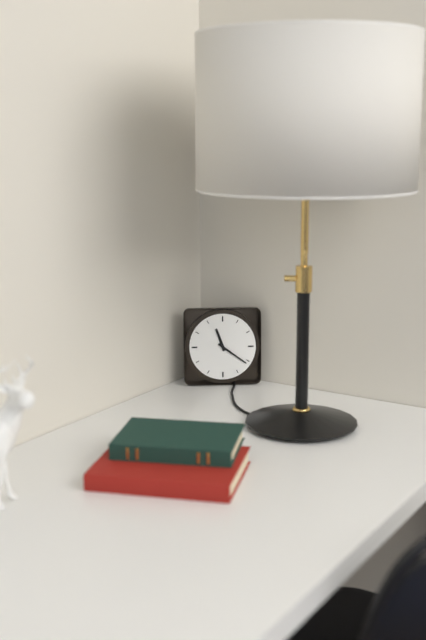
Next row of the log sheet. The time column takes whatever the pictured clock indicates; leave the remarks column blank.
11:21
